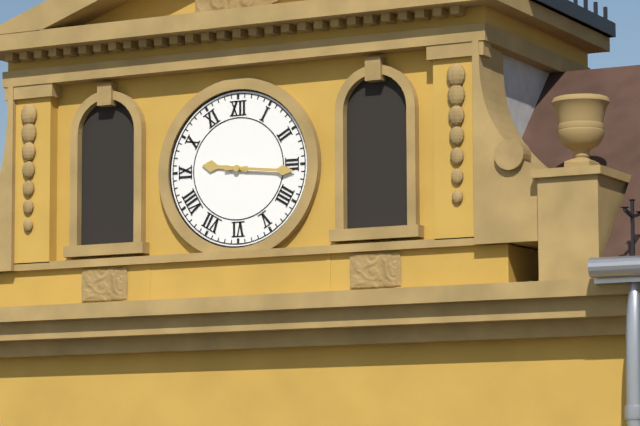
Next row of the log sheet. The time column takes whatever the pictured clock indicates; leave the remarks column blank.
9:16
